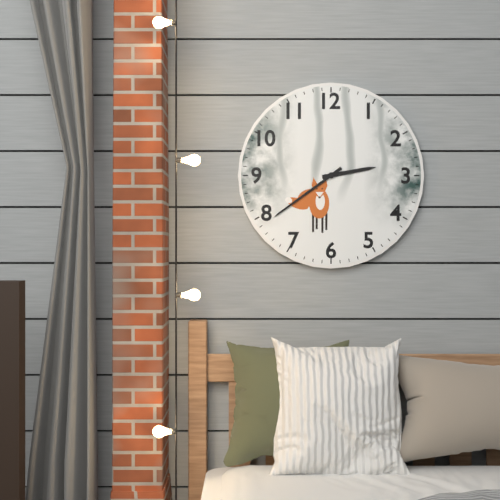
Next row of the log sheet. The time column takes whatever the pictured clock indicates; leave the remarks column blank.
2:39
